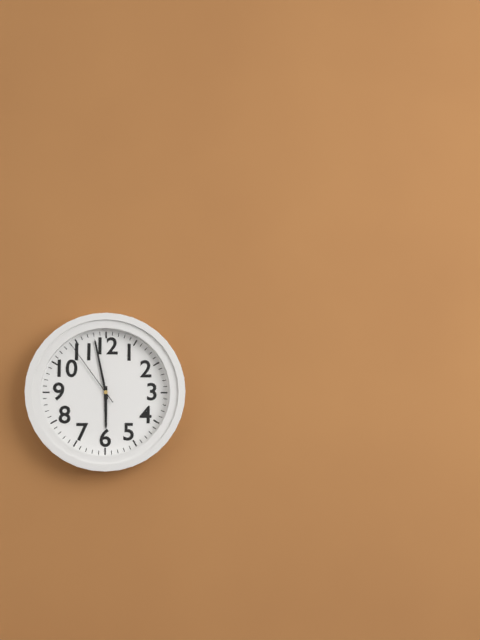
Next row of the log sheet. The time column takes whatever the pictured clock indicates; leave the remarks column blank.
5:58:54
